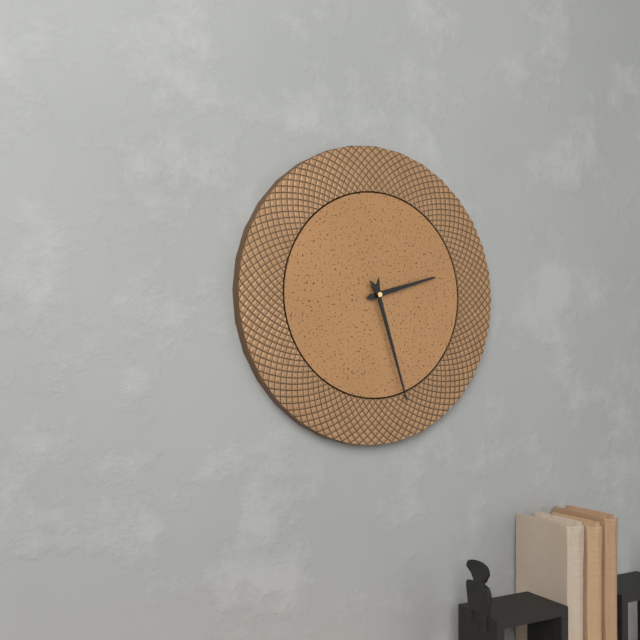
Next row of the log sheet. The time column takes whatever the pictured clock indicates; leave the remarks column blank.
2:27
